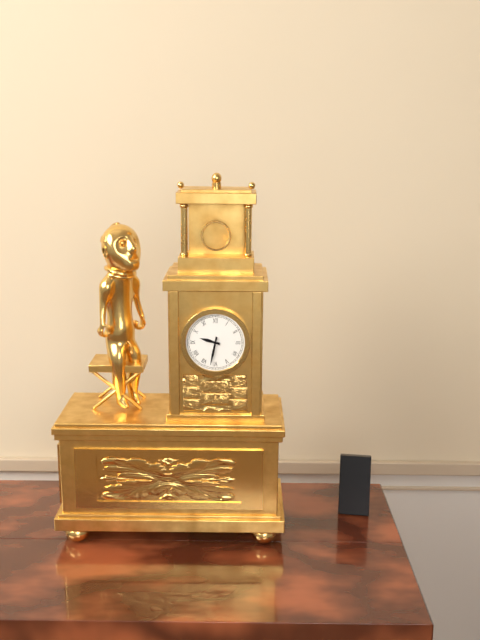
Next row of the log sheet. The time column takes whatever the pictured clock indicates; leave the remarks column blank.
9:32
